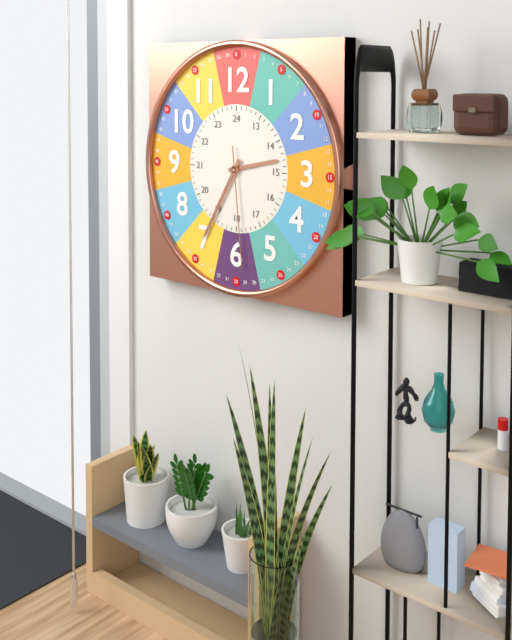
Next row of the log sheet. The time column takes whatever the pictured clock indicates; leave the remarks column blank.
2:35:29
